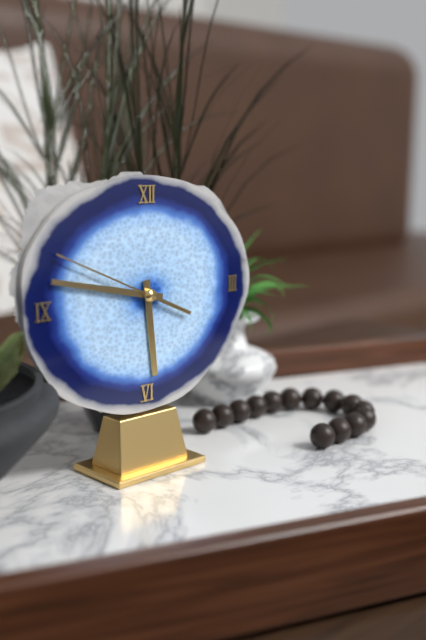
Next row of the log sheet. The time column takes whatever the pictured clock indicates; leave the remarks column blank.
5:47:49
